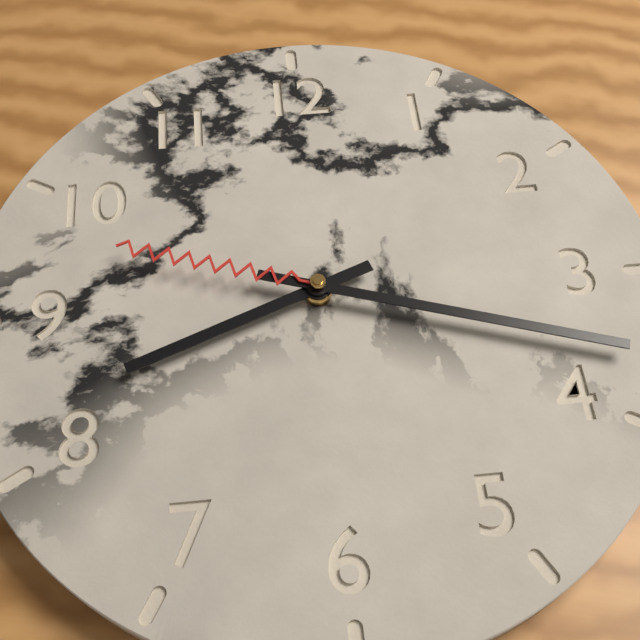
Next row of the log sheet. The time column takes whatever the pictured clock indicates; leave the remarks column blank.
8:18:48
